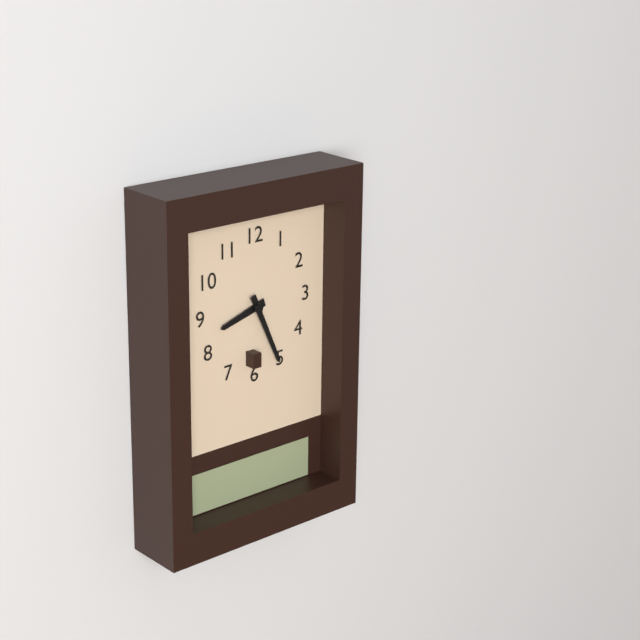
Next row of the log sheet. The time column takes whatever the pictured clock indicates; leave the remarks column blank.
8:26
